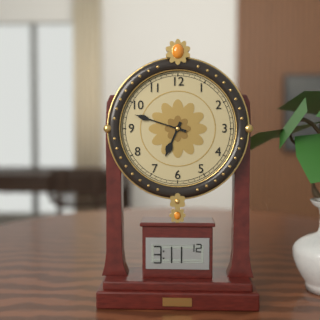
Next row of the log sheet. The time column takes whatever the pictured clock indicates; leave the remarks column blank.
6:48
